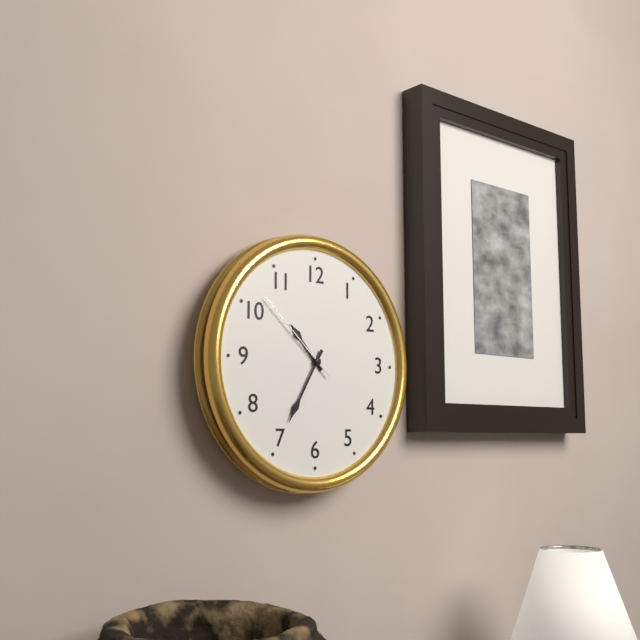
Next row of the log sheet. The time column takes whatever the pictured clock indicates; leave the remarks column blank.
10:35:52
